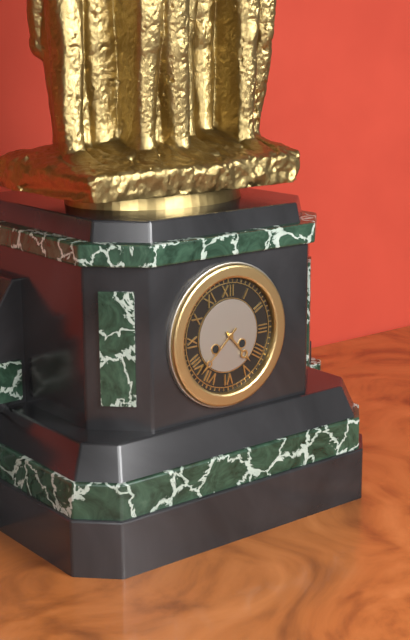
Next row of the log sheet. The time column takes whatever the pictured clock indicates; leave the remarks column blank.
4:38
